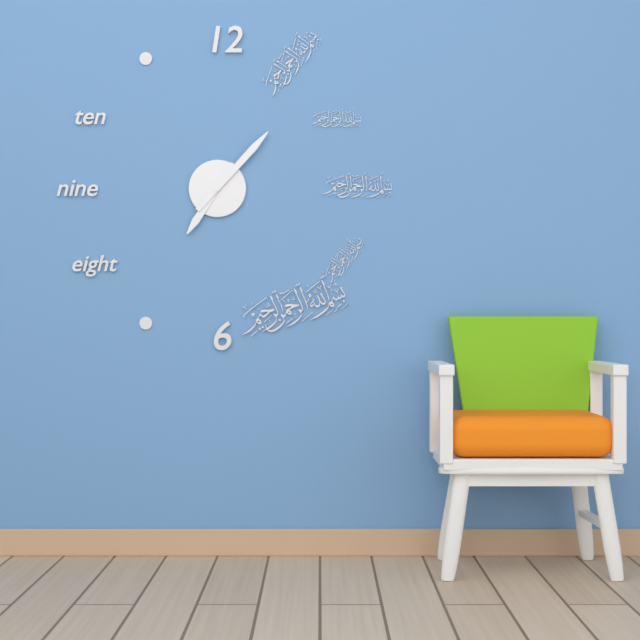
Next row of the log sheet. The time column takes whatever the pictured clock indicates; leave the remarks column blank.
7:07
